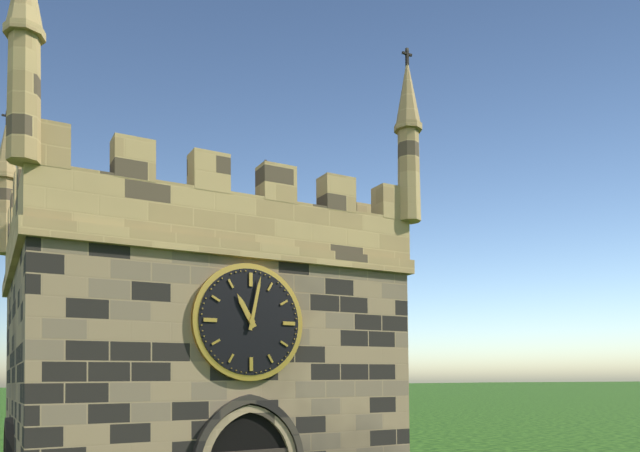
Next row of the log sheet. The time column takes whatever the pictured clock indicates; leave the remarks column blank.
11:02
